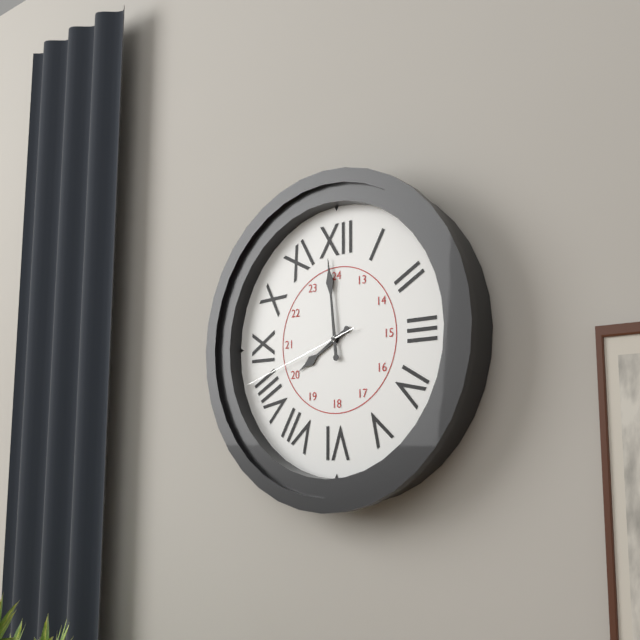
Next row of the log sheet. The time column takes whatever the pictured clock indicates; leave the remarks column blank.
7:59:42
